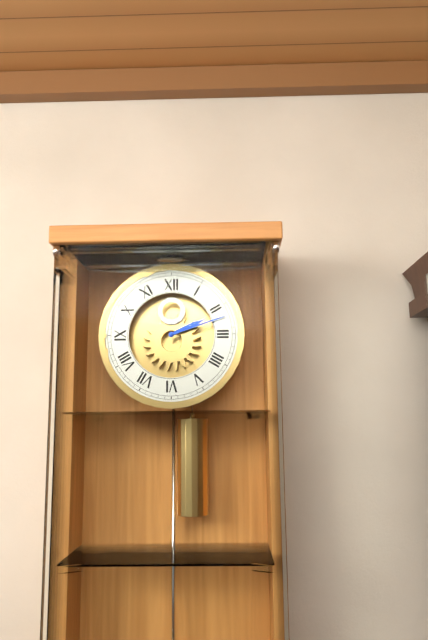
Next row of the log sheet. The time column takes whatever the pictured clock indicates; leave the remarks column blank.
2:12
